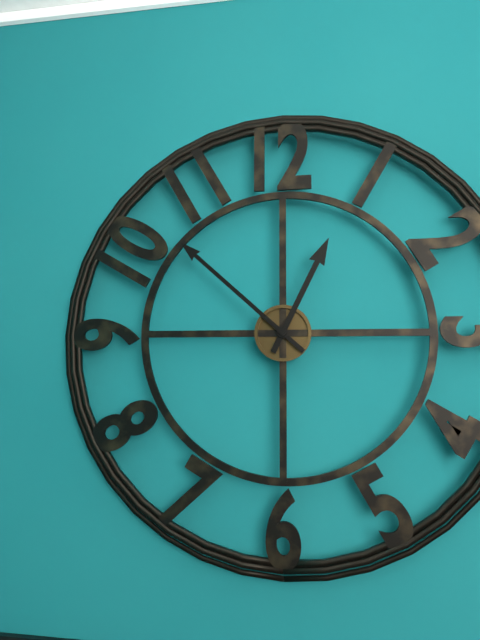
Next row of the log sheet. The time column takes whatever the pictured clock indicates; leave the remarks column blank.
12:52
